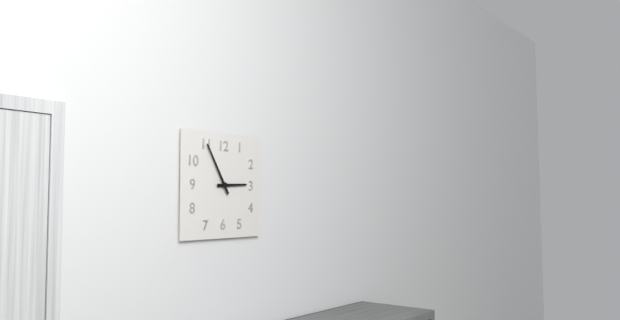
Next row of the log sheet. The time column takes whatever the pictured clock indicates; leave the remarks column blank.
2:55
